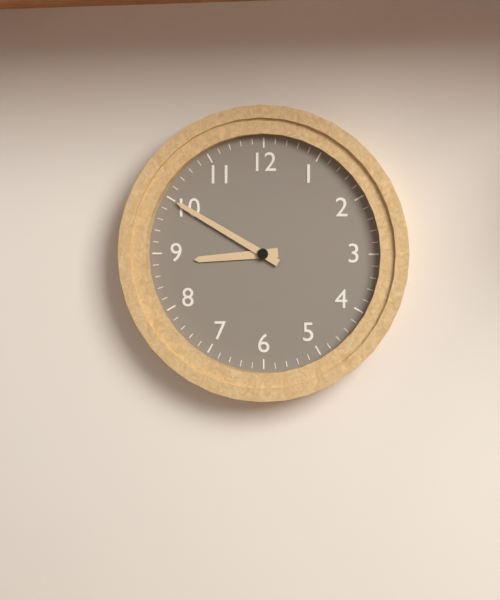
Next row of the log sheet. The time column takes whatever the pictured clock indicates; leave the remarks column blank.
8:50
